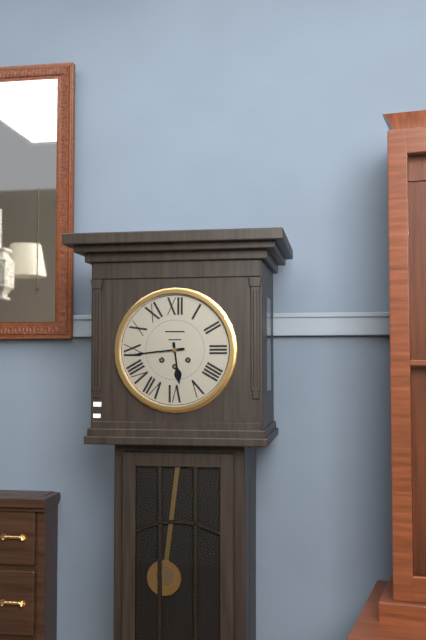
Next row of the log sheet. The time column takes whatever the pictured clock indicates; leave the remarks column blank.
5:44
